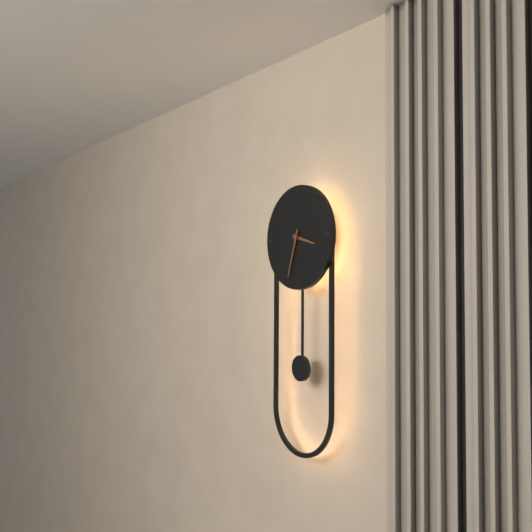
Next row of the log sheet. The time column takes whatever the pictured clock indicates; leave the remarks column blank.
3:33
